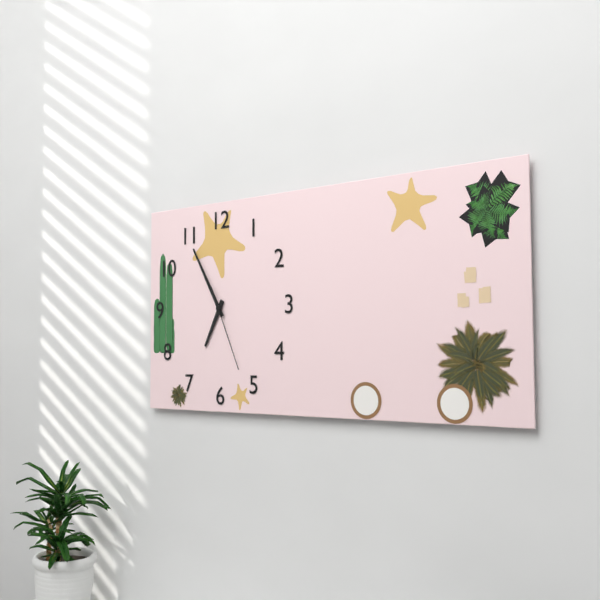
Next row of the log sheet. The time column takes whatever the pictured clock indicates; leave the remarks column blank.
6:55:26
